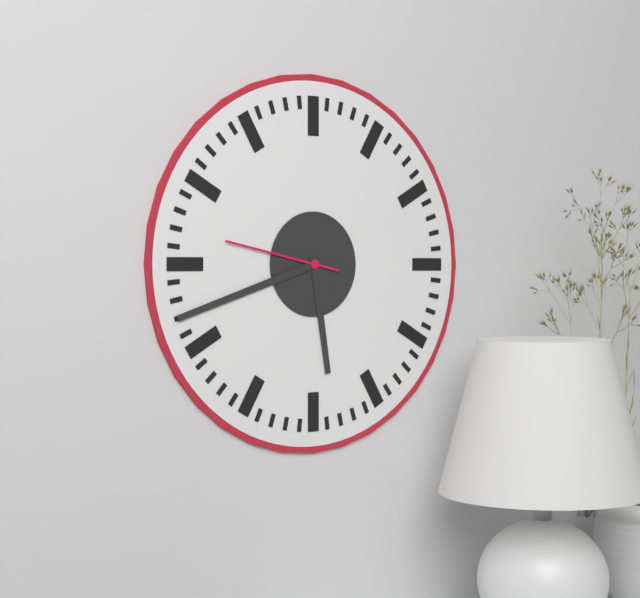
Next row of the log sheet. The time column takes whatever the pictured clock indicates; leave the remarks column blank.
5:42:47
